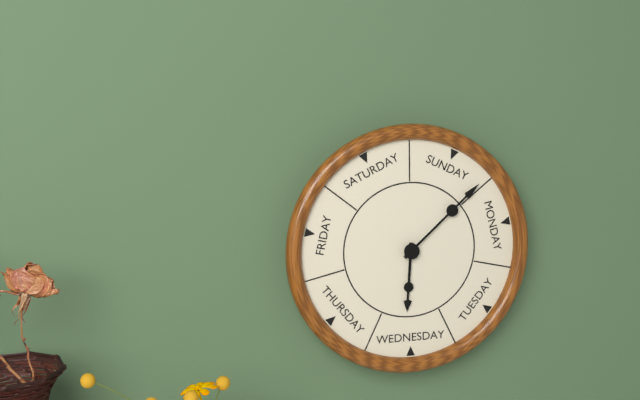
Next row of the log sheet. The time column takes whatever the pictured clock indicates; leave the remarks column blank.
6:08
